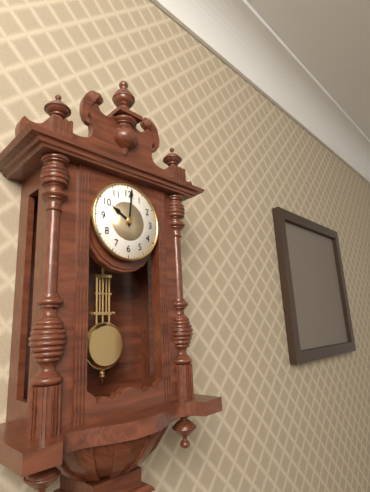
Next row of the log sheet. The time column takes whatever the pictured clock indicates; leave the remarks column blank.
10:01
